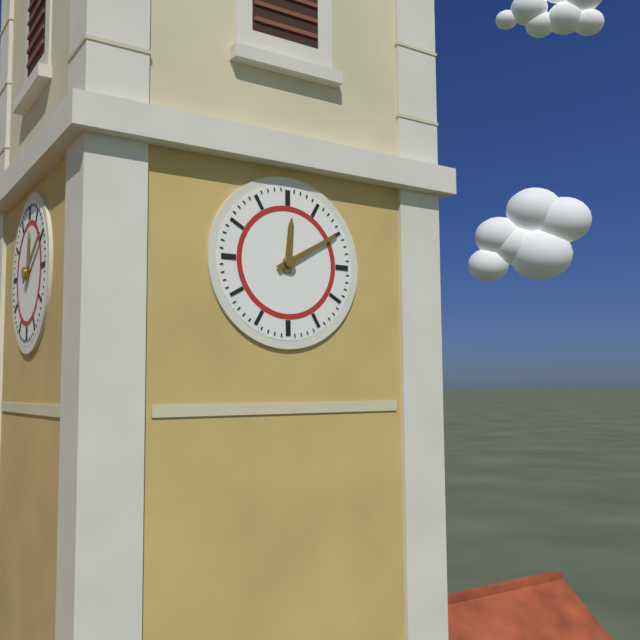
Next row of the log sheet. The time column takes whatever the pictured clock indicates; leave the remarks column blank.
12:10
